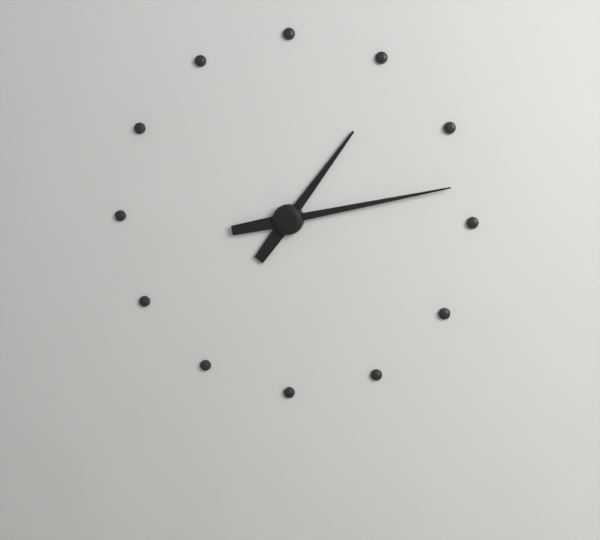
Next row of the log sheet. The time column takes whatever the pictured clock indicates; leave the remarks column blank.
1:13
